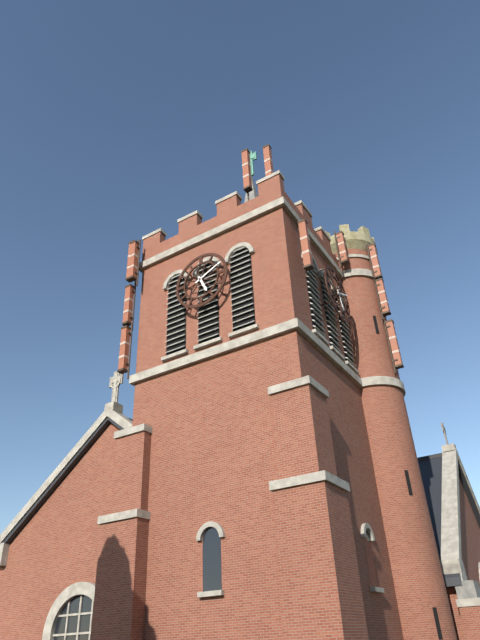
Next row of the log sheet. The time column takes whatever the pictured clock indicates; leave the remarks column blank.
5:11
